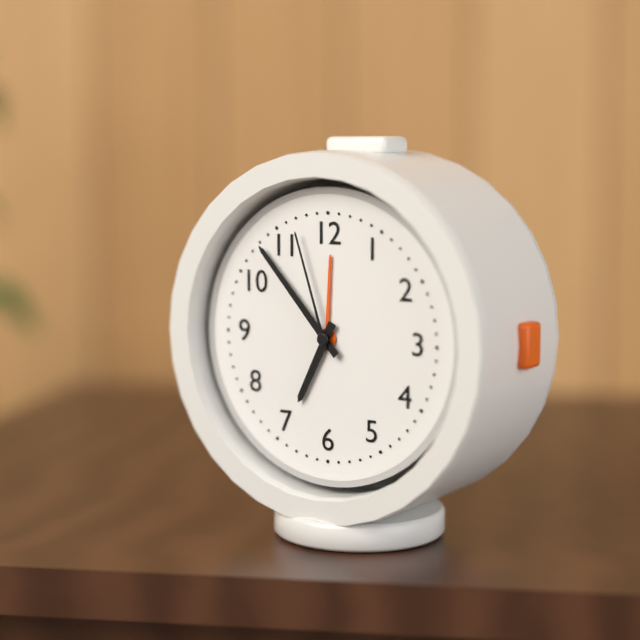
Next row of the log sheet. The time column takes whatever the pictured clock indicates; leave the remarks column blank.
6:53:57
